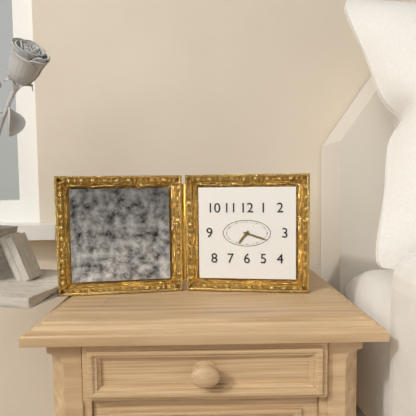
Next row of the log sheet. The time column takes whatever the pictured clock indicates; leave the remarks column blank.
7:18
